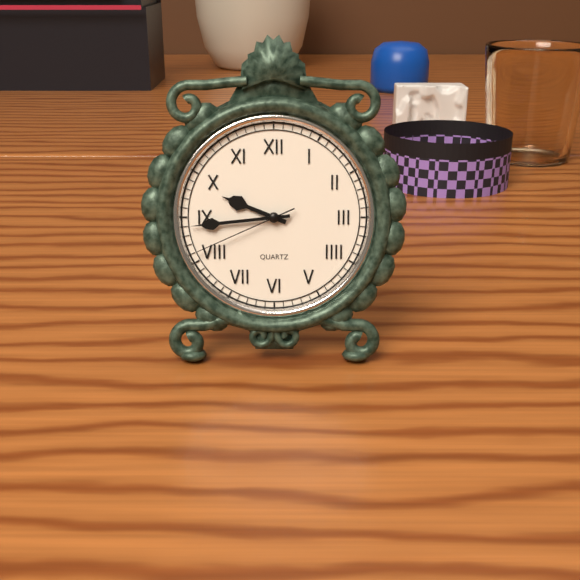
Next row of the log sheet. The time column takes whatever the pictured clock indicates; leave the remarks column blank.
9:44:41
